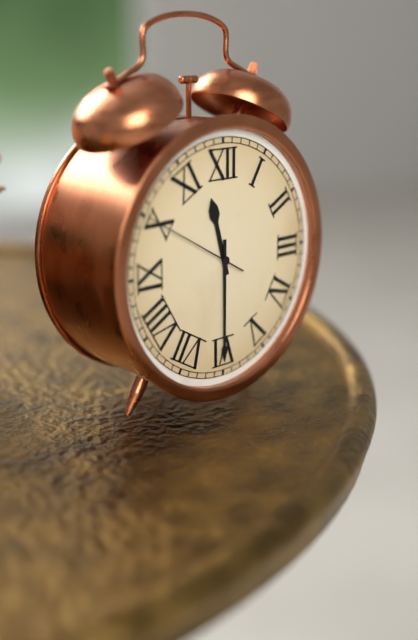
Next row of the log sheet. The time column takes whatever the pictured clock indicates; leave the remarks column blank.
11:30:50
